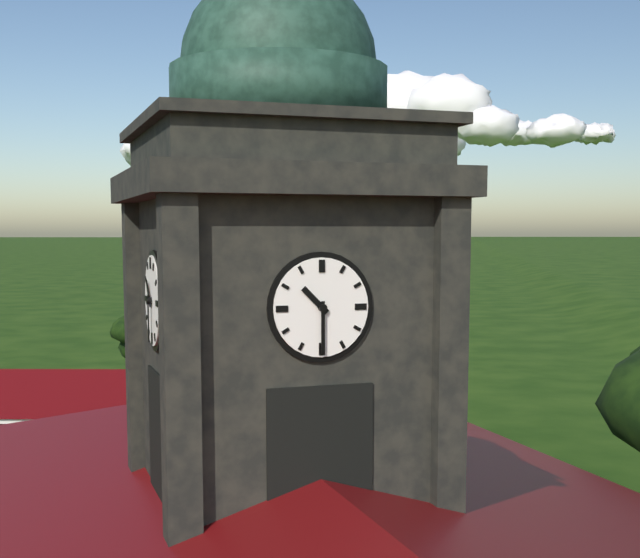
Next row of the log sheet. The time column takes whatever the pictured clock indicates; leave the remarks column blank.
10:30
